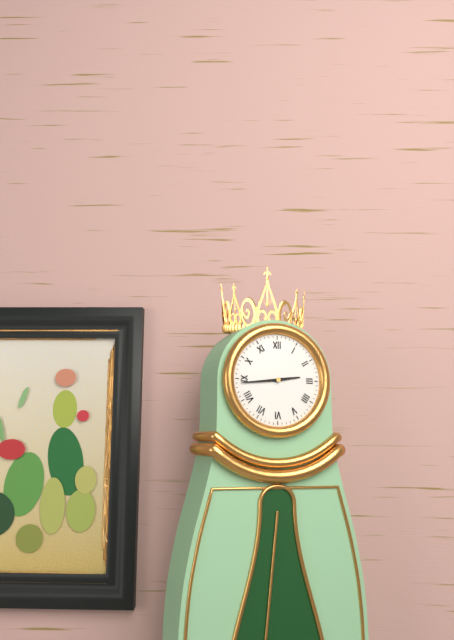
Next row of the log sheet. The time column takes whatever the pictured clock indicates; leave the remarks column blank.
2:44
